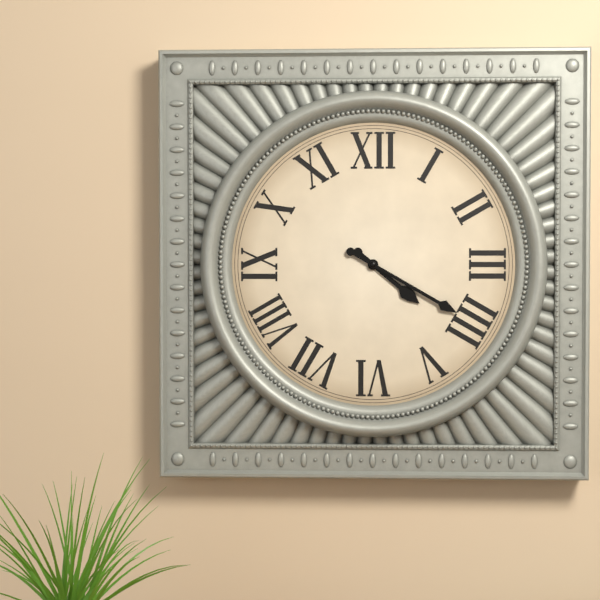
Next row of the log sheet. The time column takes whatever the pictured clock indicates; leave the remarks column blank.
4:20
